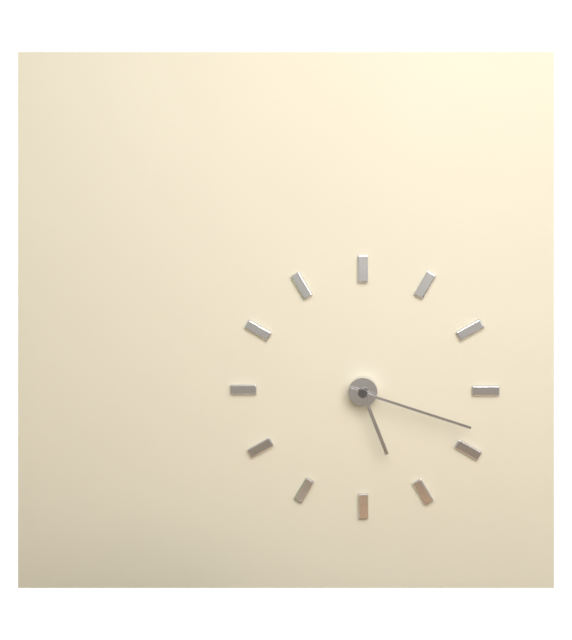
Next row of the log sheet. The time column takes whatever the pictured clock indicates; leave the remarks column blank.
5:18
